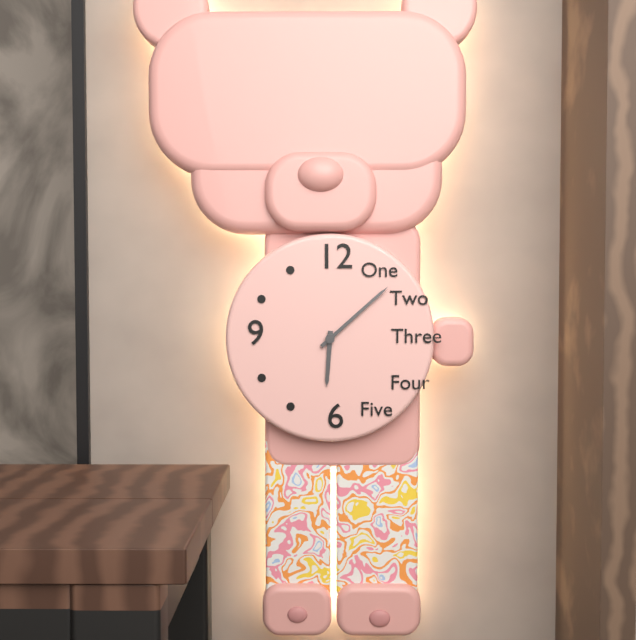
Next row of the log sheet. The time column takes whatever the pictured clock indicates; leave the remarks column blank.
6:08
